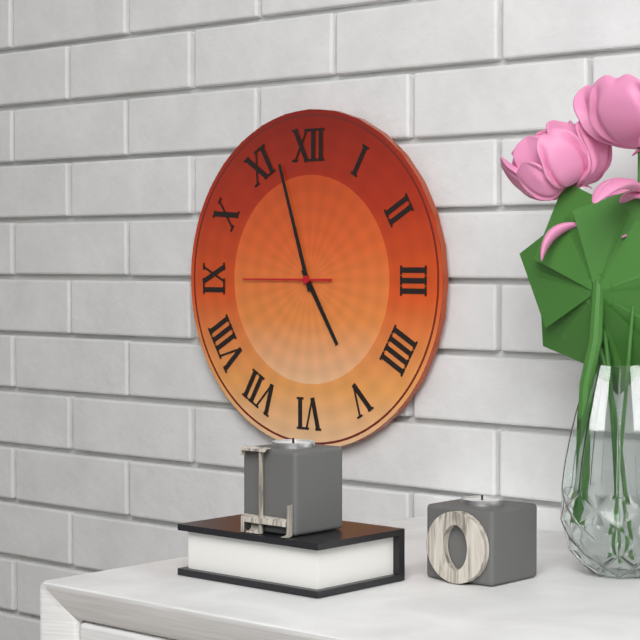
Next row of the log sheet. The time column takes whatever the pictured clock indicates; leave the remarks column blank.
4:57:45
